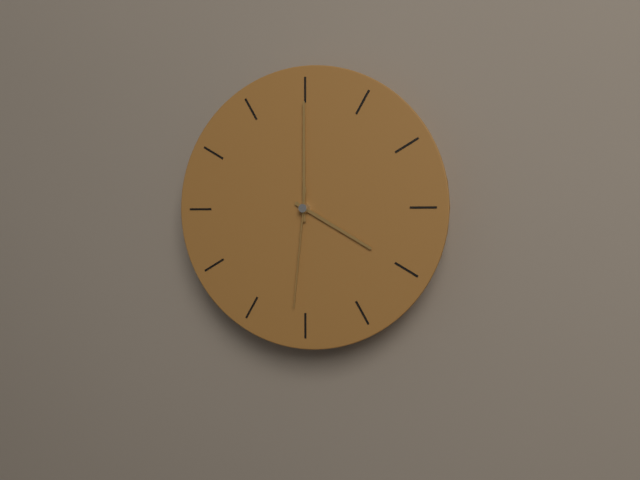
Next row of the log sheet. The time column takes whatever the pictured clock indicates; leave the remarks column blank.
4:00:31
